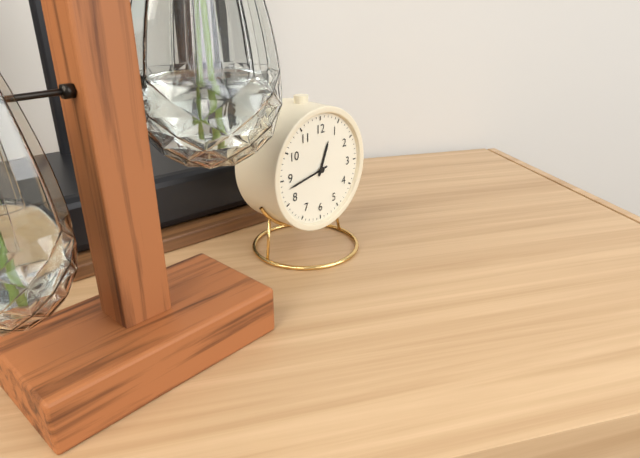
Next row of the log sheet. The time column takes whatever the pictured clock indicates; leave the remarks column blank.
12:43
